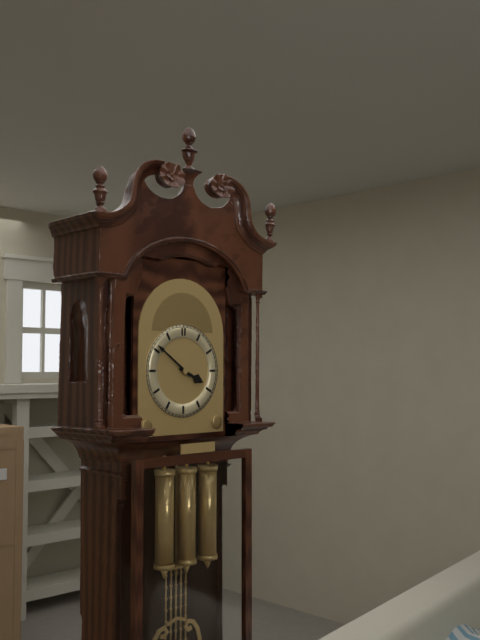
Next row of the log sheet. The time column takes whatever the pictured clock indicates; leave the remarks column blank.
3:51
